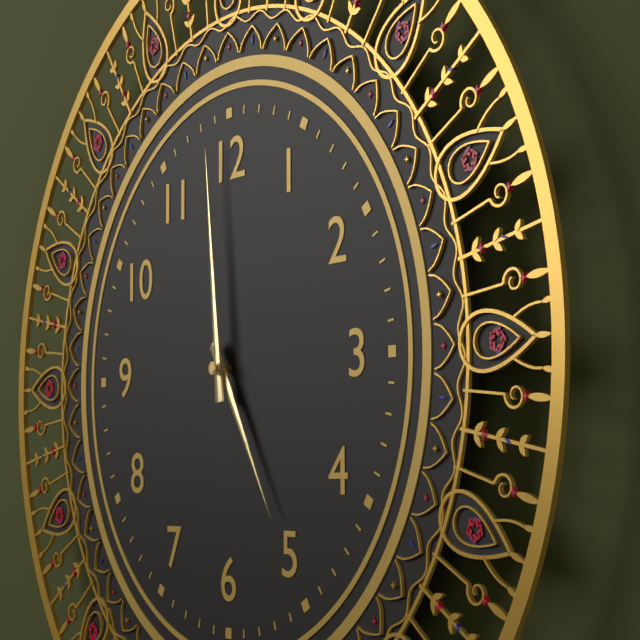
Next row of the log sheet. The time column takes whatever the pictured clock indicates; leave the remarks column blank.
4:59
